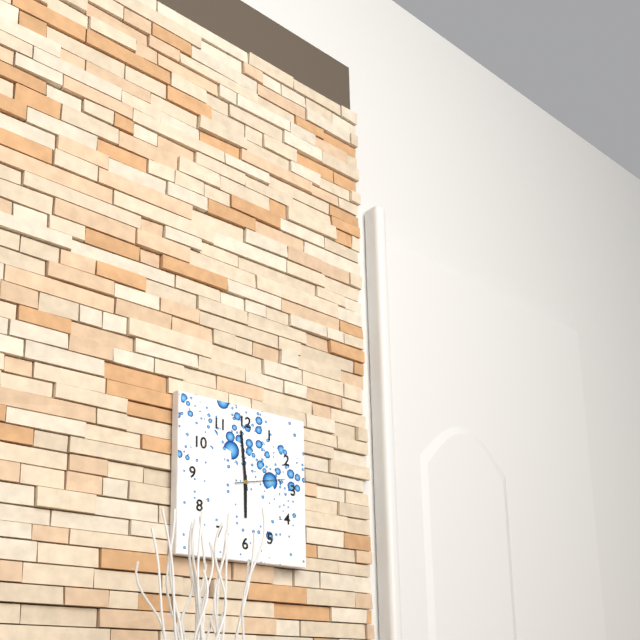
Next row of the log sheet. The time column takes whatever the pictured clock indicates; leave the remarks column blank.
5:59:13
